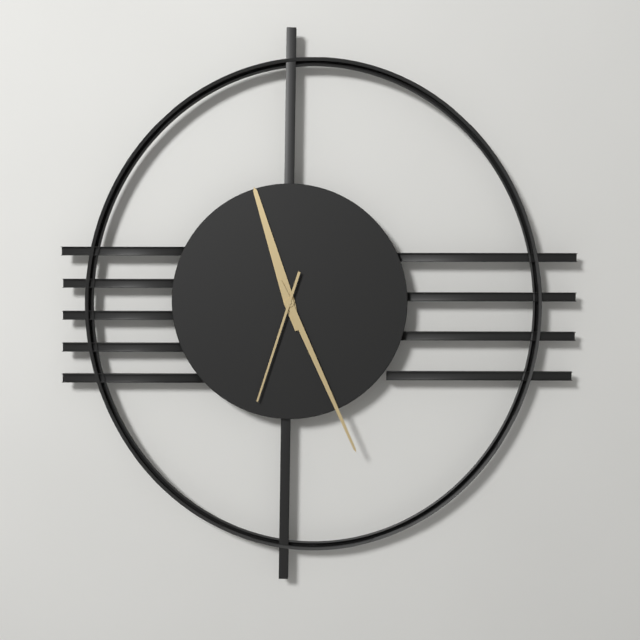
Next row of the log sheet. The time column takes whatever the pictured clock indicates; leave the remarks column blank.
11:26:33
